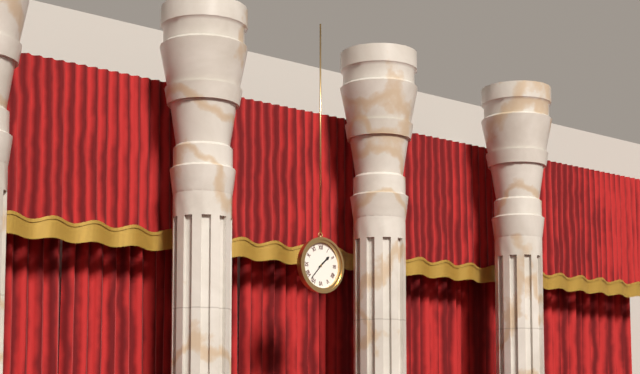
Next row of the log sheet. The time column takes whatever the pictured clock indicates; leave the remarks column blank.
1:37
